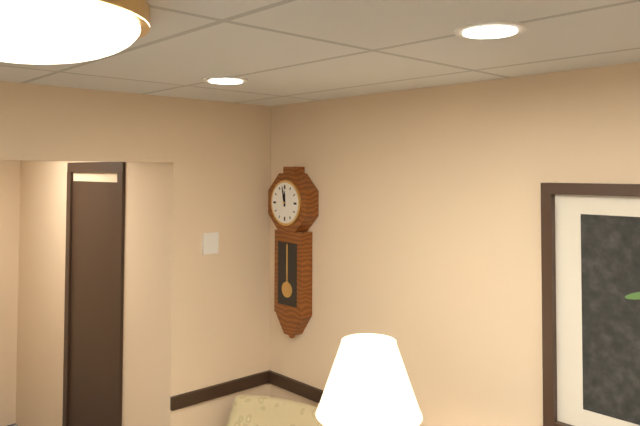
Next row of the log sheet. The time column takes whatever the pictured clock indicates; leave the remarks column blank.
11:58
